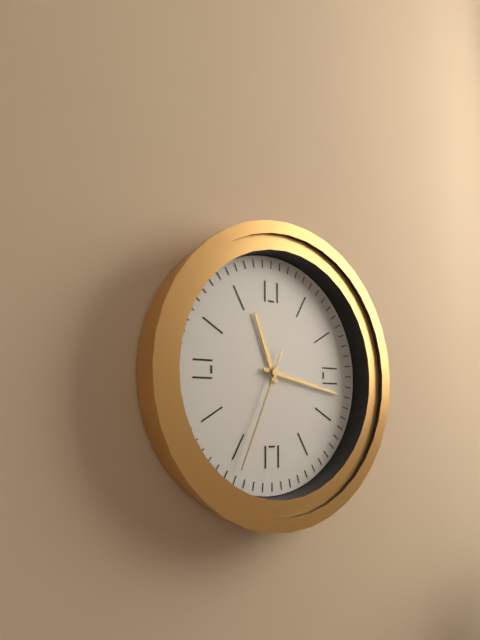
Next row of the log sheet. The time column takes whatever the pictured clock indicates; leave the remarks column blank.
11:17:34
